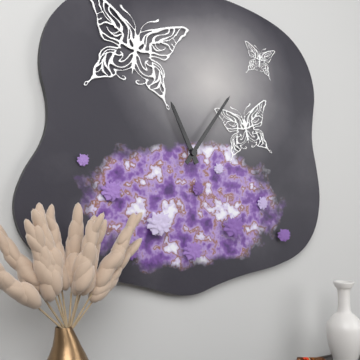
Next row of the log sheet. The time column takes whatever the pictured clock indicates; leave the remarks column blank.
11:06
